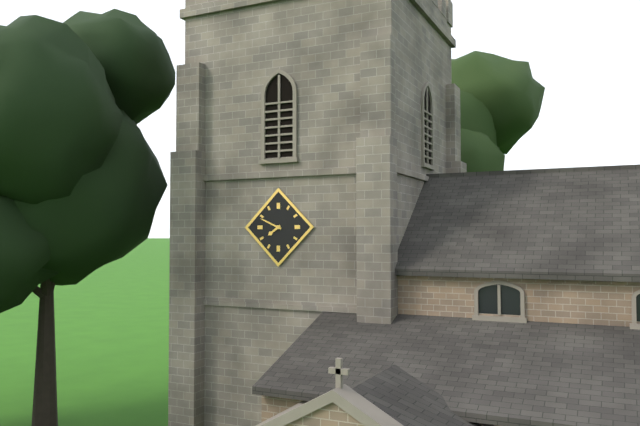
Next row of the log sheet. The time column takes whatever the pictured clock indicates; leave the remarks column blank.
7:49
